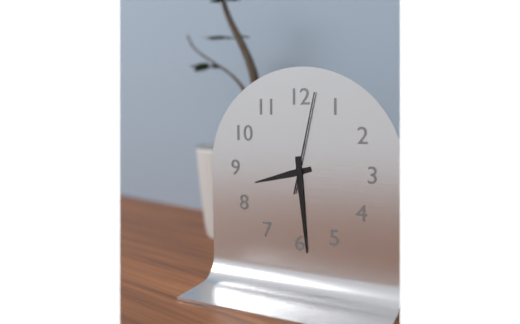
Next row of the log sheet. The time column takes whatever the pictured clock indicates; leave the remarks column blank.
8:29:02
